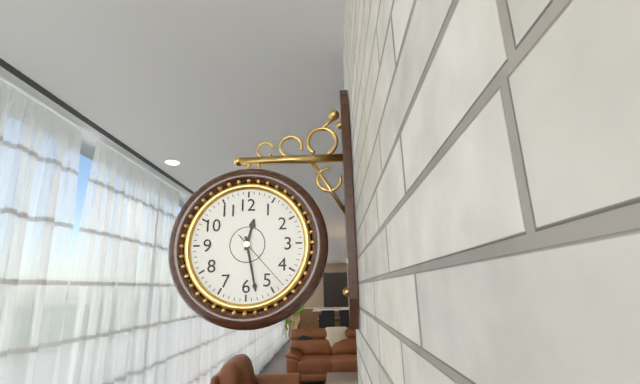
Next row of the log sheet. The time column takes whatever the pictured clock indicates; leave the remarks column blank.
12:28:23
